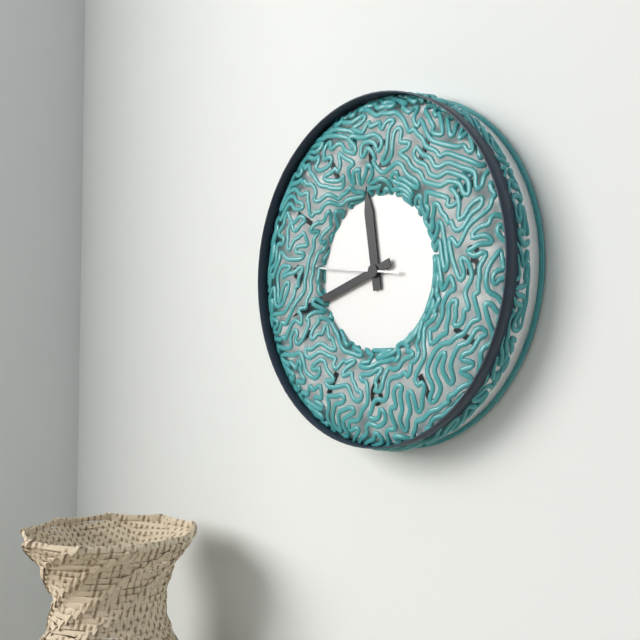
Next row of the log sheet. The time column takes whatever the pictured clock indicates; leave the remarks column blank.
11:42:46
